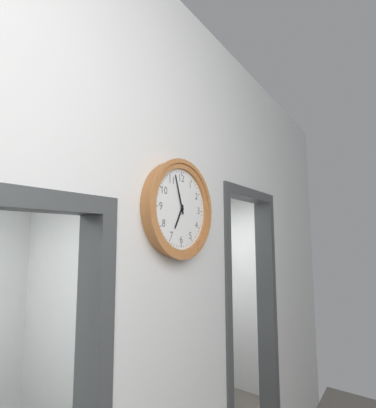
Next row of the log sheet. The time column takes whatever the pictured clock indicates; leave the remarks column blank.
6:57
